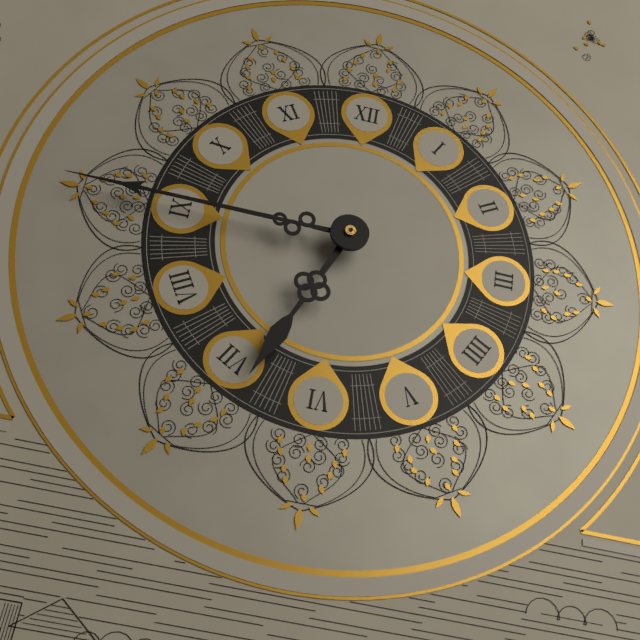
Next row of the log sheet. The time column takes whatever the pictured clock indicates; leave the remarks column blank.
6:45
